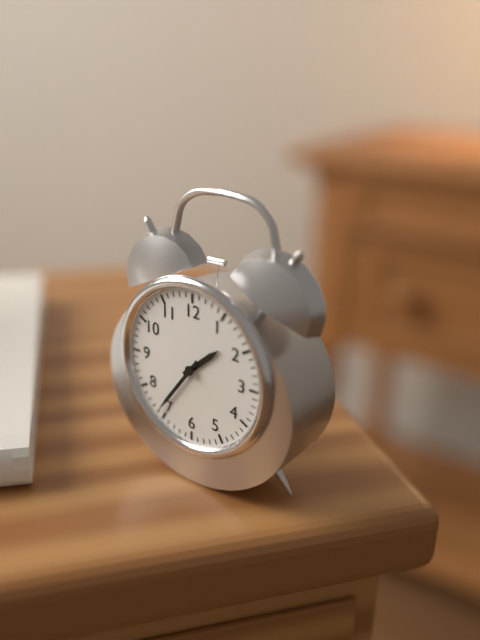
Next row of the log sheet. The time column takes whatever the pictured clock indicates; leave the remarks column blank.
1:36
